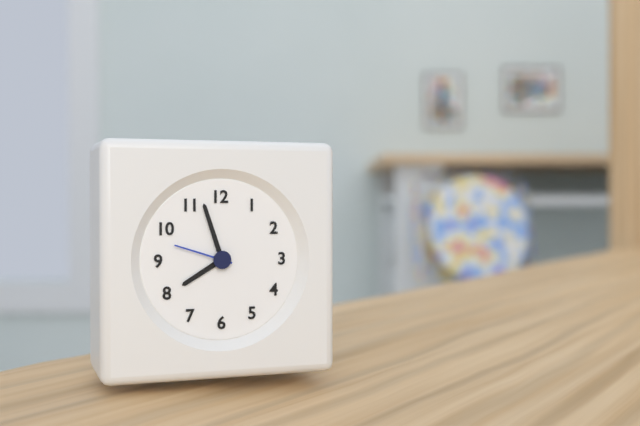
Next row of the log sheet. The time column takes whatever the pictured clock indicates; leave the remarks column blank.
7:57:48
